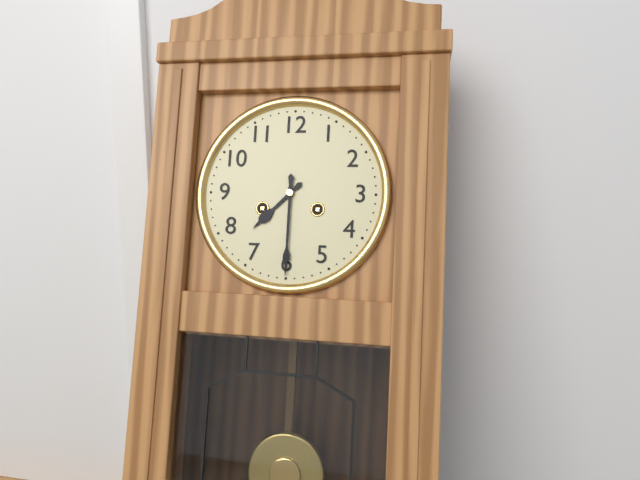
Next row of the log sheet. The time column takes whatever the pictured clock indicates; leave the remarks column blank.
7:30
